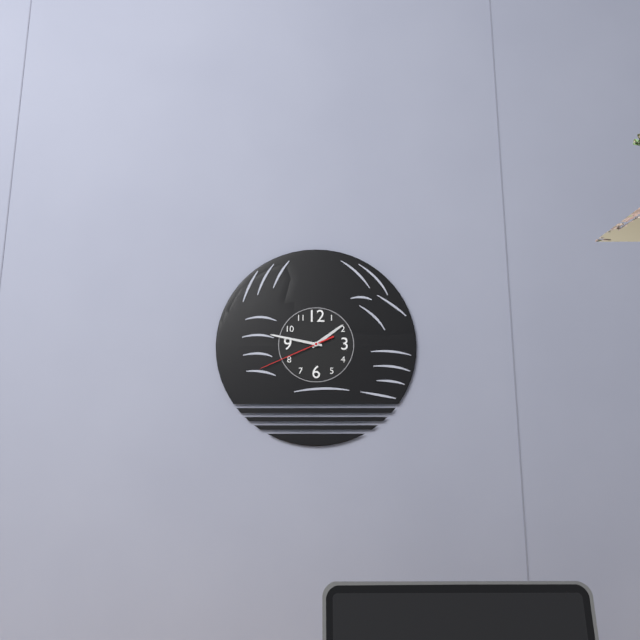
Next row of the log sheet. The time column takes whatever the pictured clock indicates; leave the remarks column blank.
1:47:41
